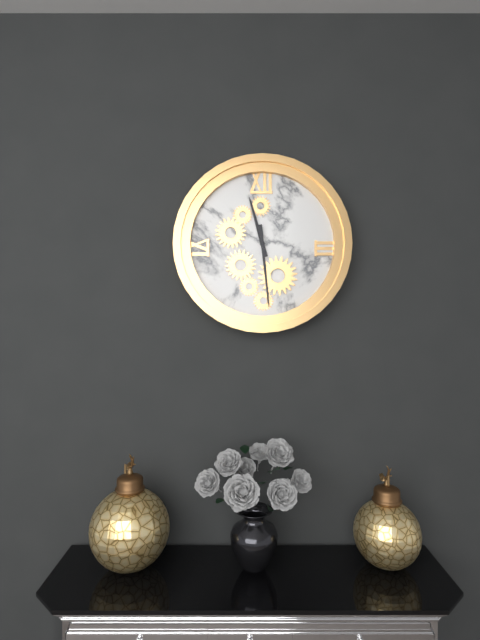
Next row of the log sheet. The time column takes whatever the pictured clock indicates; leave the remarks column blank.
11:29
